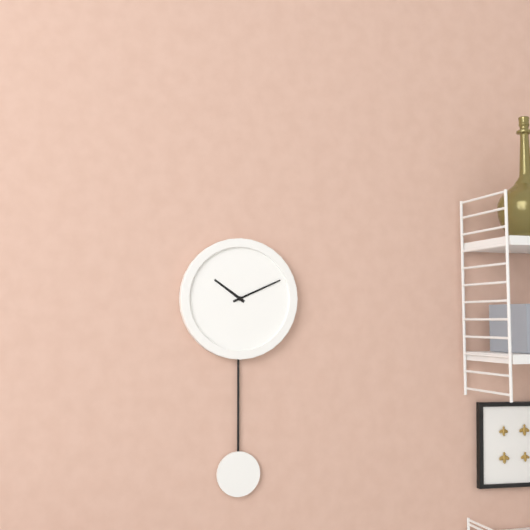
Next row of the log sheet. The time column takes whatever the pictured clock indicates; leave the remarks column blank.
10:11
